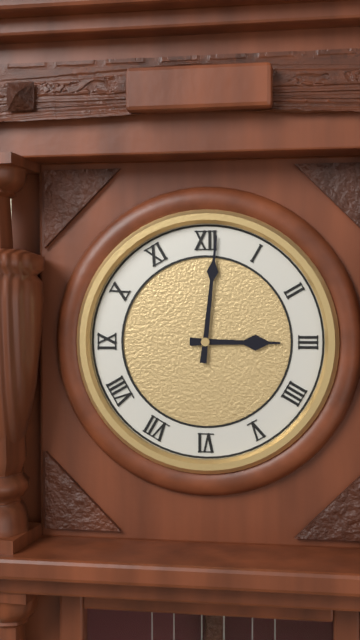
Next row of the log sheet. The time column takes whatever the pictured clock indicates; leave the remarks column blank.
3:01
